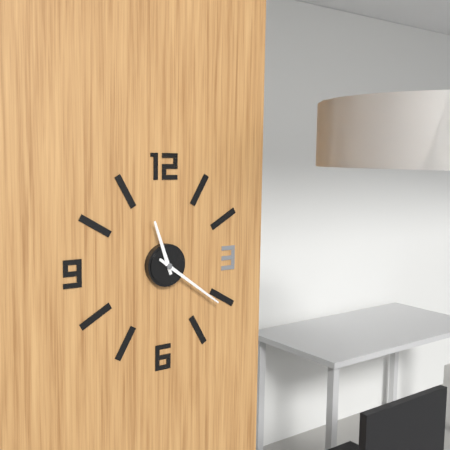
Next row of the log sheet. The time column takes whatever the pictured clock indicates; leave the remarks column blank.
11:21
